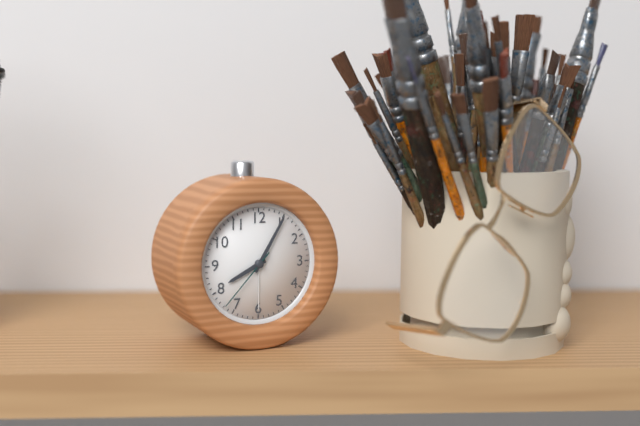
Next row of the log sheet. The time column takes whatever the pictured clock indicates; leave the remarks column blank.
8:05:37
